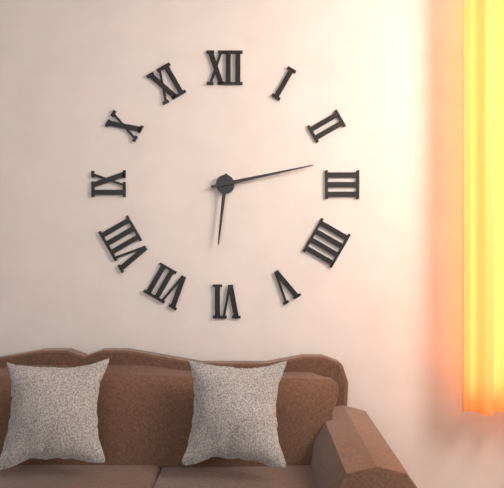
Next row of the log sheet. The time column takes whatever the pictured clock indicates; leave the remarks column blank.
6:13
